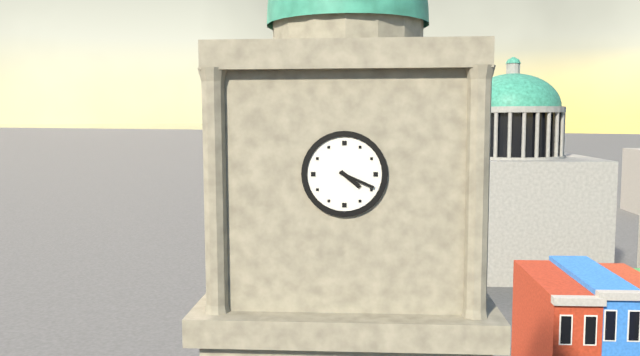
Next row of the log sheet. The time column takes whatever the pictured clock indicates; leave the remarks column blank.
4:19
